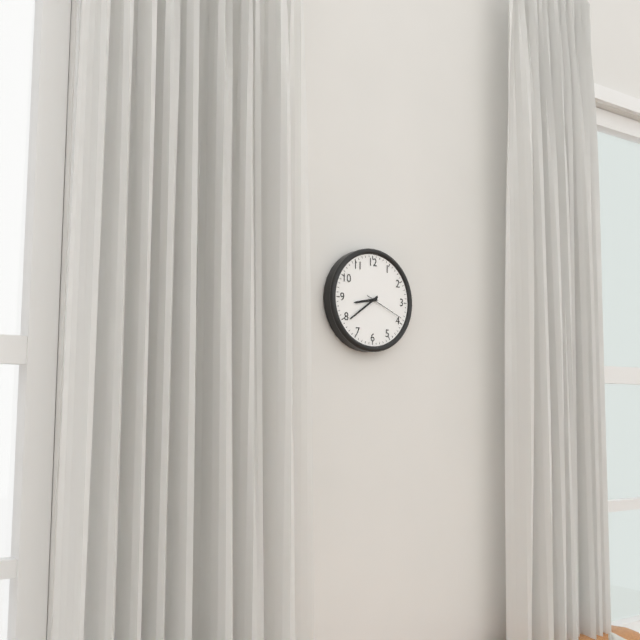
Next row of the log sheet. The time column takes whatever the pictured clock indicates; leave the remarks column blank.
8:39
